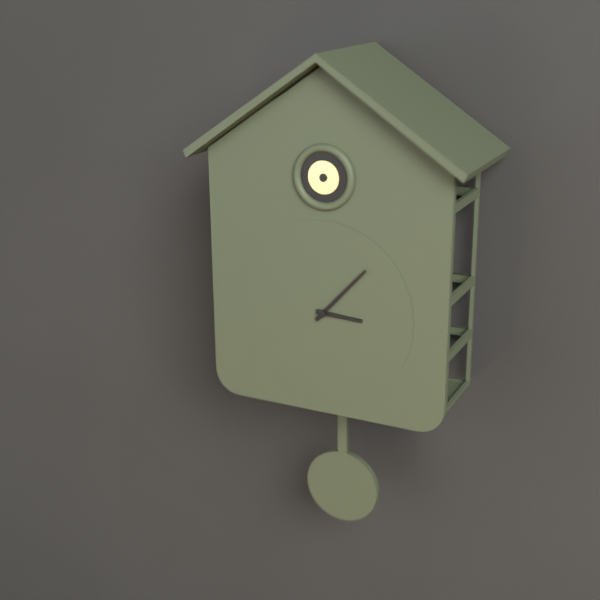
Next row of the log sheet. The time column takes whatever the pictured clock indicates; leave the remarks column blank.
3:07
